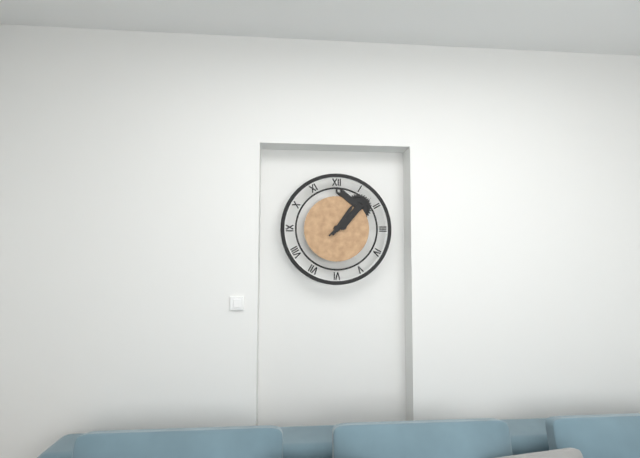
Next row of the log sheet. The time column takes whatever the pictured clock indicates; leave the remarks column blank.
1:08
